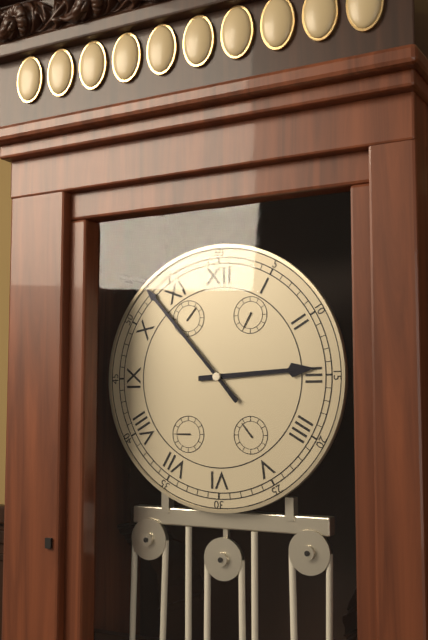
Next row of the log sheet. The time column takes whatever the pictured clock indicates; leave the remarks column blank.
2:53
